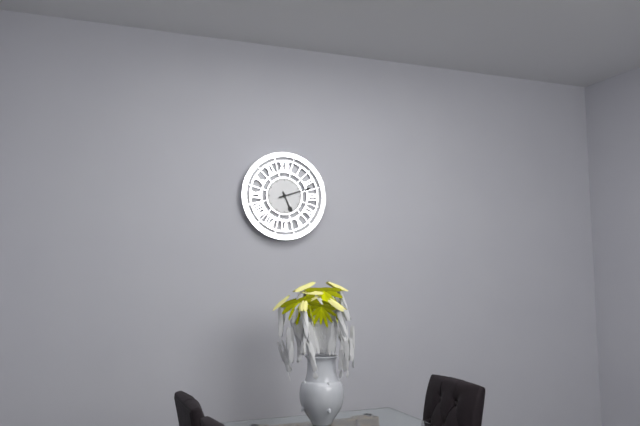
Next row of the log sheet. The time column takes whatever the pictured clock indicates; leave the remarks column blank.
5:12
